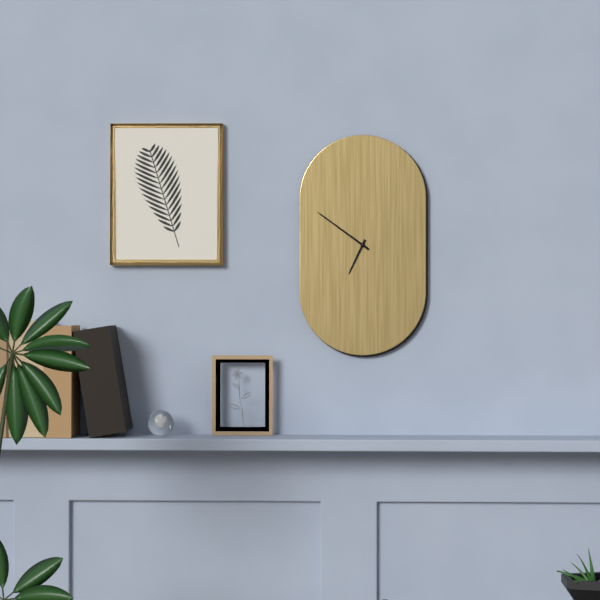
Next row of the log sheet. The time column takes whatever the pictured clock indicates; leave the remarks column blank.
6:51
